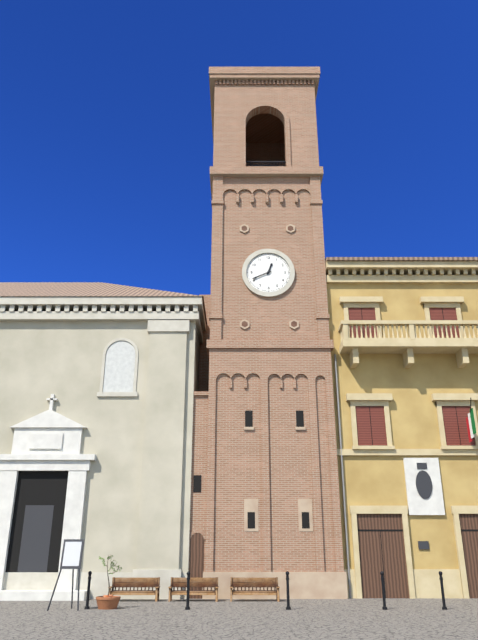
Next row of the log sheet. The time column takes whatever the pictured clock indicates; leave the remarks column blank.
12:41
